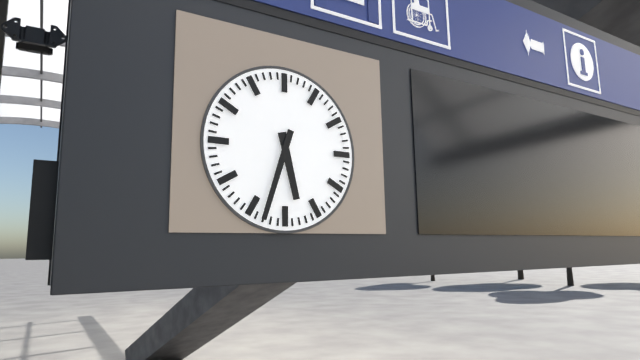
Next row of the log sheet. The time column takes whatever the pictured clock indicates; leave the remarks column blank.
5:33
